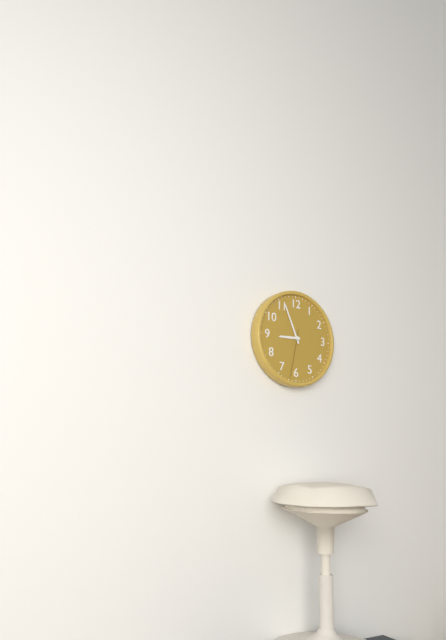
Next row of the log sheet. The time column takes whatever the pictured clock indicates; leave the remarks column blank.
8:56
